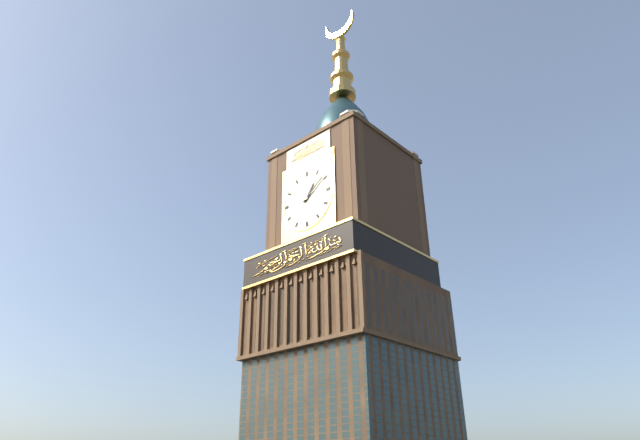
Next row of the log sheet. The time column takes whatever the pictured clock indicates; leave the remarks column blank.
1:09
